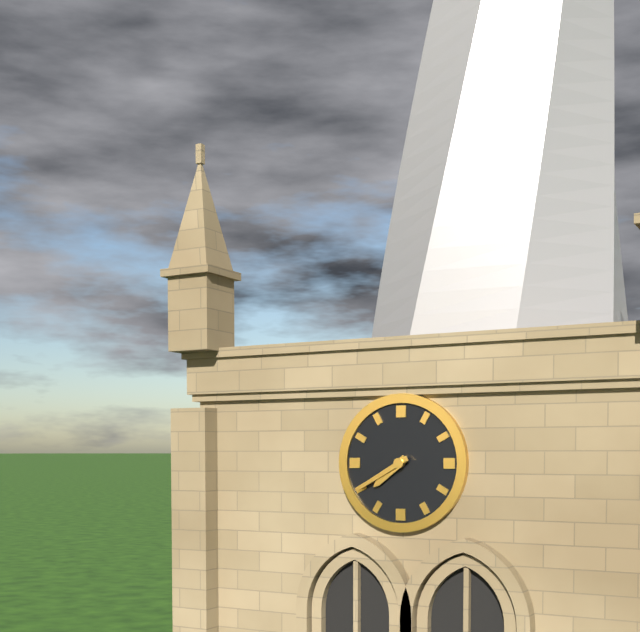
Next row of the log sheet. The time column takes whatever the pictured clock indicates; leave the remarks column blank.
7:40
